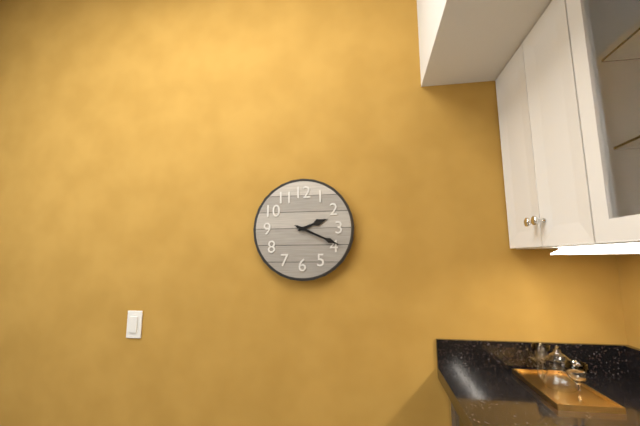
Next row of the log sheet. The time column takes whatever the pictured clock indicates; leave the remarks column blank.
2:19
